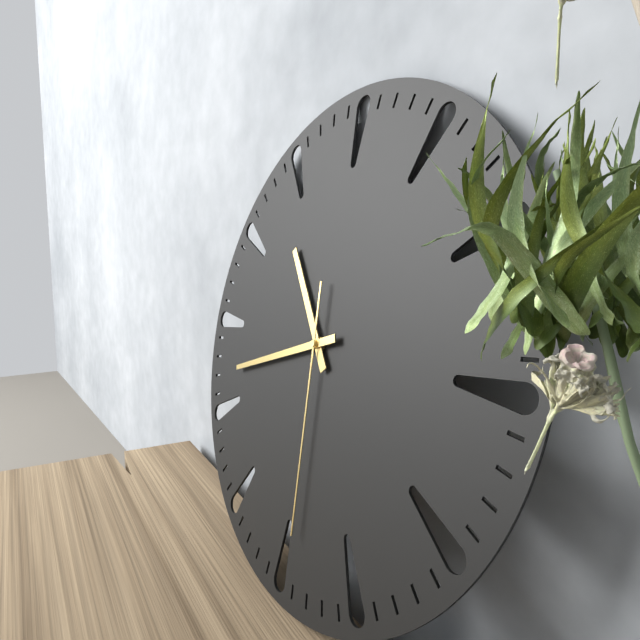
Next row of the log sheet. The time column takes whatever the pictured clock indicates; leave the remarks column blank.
10:42:29
